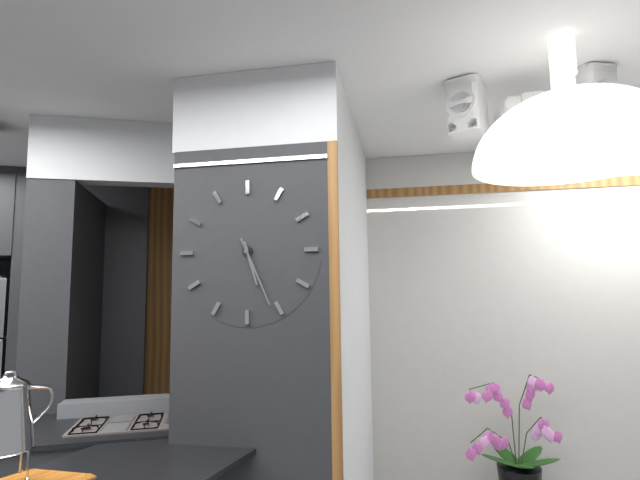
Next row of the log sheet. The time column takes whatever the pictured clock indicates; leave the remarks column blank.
5:26
